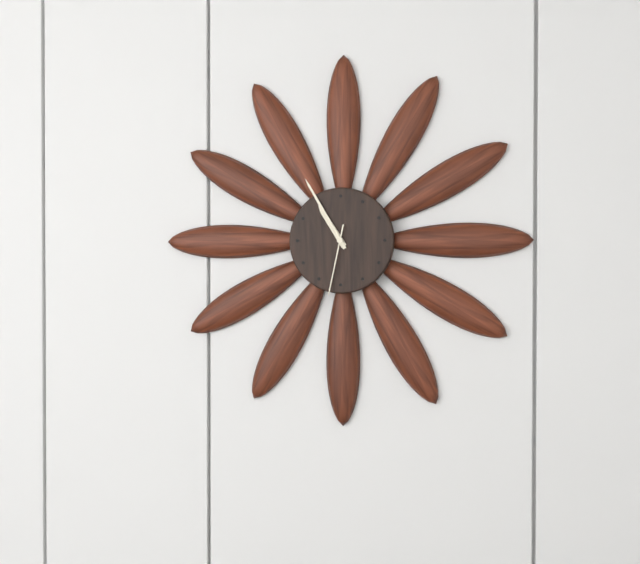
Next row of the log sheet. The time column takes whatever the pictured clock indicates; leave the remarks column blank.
10:55:32
